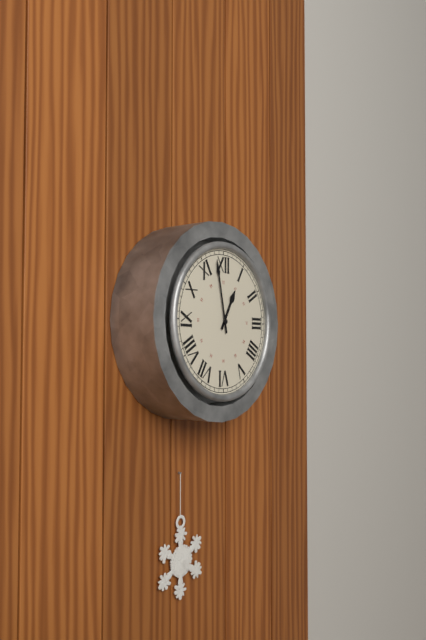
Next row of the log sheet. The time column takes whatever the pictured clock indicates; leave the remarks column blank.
12:58
